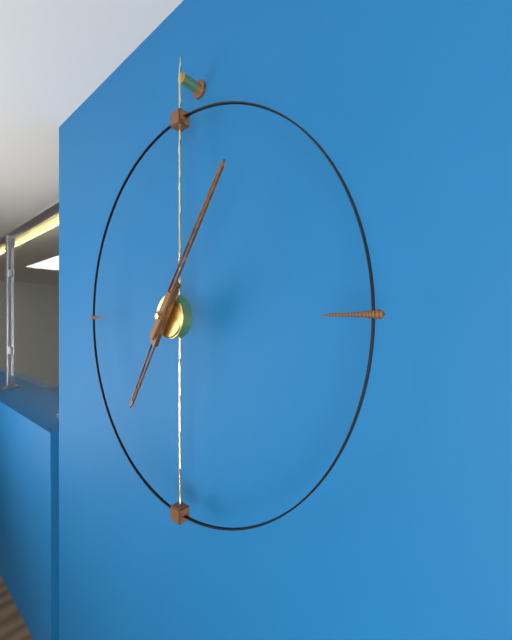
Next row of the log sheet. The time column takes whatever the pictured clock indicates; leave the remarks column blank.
7:06
